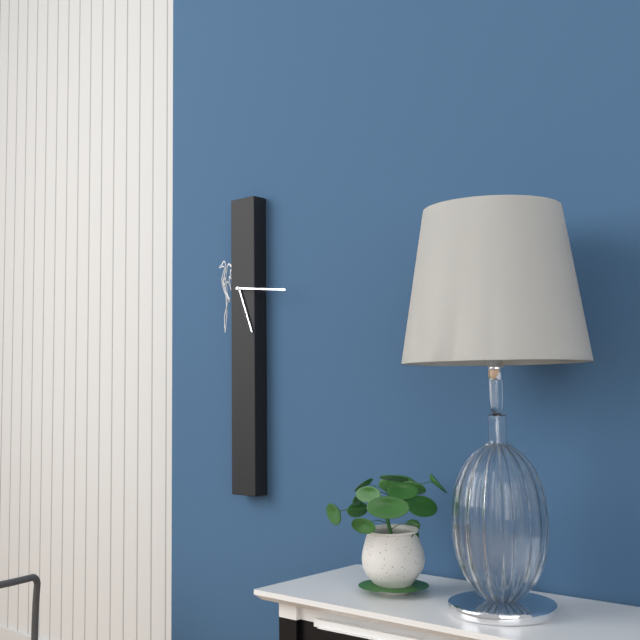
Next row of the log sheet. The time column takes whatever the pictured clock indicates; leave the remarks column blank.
5:16
